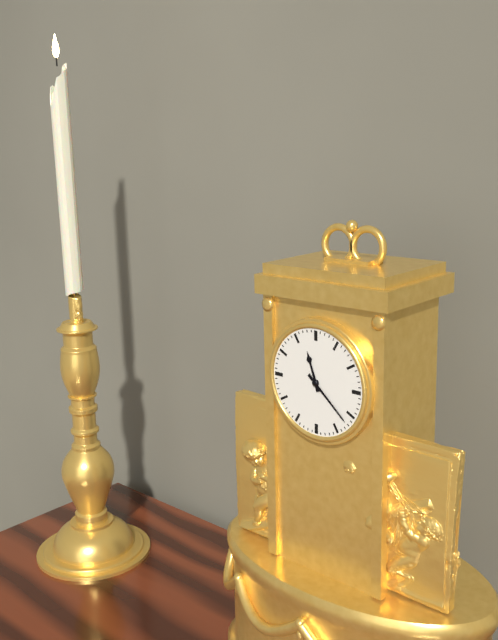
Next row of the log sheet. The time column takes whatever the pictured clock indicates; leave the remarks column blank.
11:22
